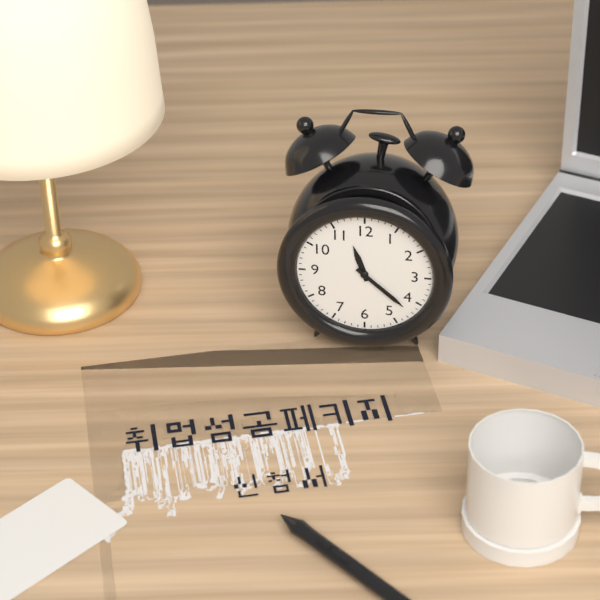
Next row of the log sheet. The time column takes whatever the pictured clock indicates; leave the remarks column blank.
11:22
